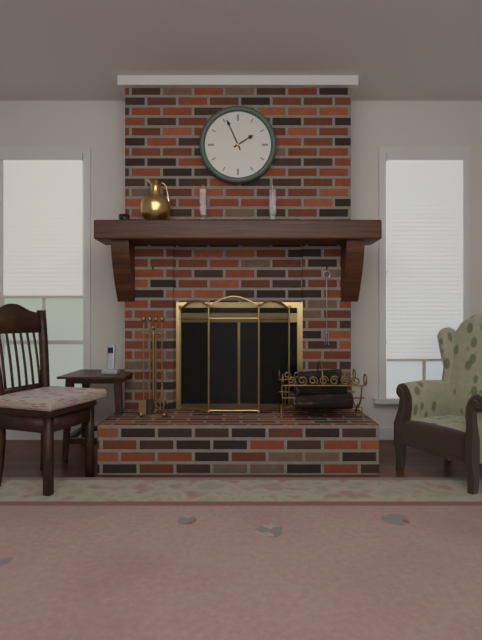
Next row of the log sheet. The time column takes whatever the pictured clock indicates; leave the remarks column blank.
1:56
